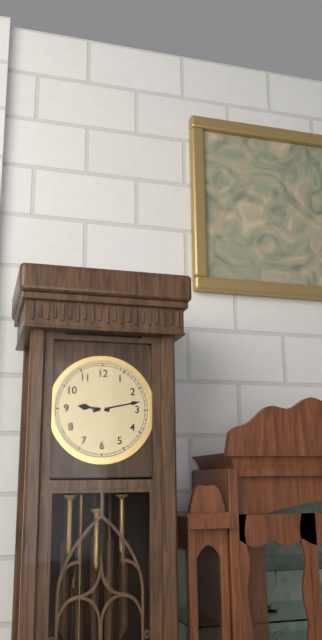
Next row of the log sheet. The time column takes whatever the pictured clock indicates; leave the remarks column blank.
9:13
